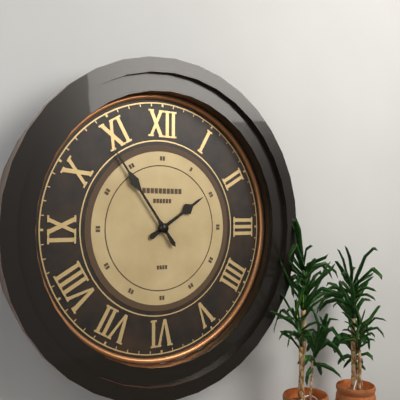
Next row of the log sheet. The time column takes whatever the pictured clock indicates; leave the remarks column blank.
1:54
